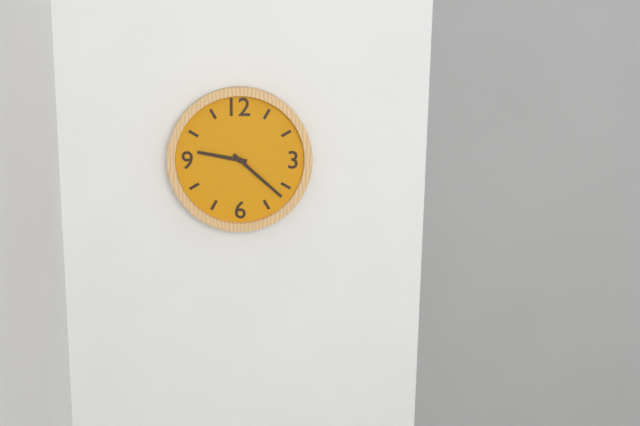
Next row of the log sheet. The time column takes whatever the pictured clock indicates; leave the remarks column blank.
9:22
